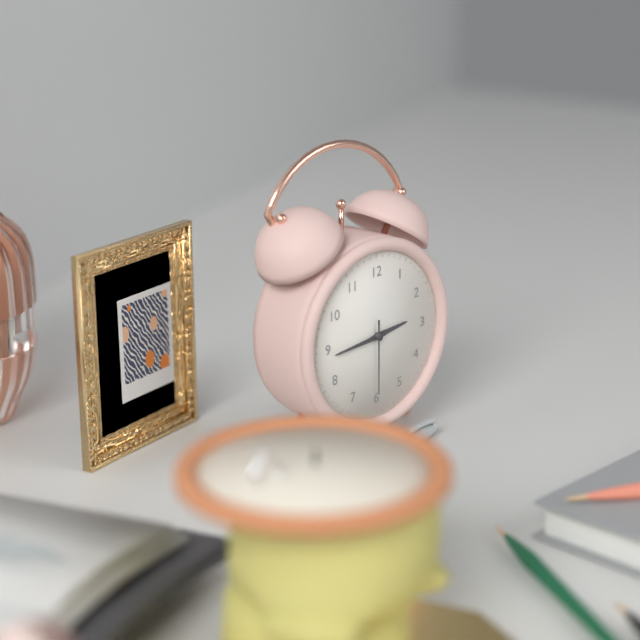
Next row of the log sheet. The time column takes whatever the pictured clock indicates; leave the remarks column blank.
2:44:30
